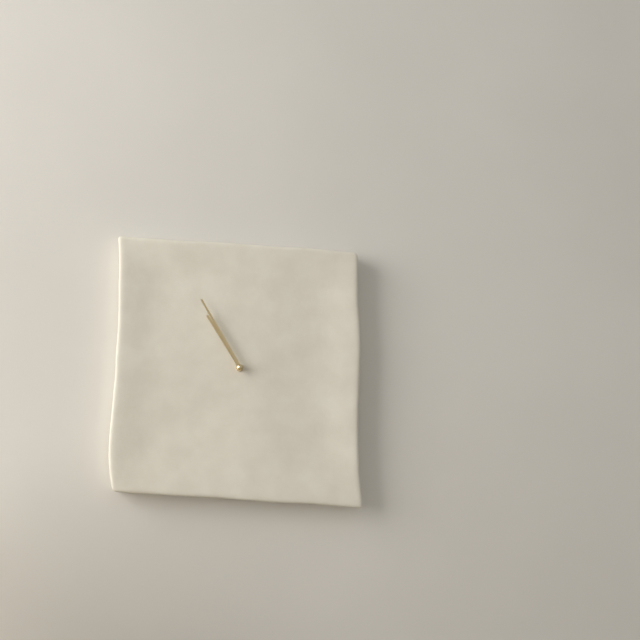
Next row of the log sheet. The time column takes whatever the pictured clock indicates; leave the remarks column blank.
10:55
